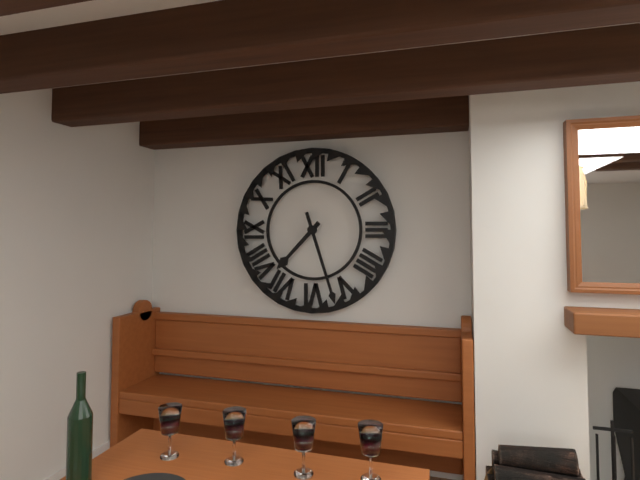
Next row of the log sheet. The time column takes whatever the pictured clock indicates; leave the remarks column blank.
7:27
